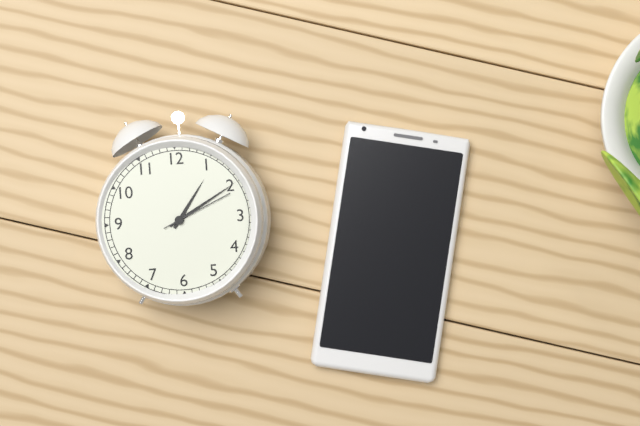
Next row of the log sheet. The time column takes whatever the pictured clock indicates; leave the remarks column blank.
1:10:11
